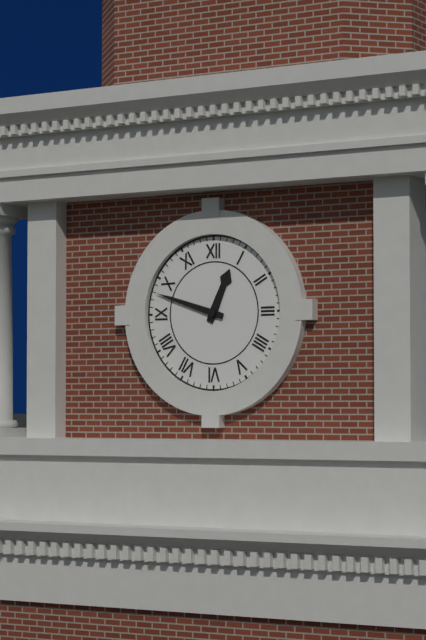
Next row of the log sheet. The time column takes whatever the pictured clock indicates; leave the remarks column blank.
12:48
